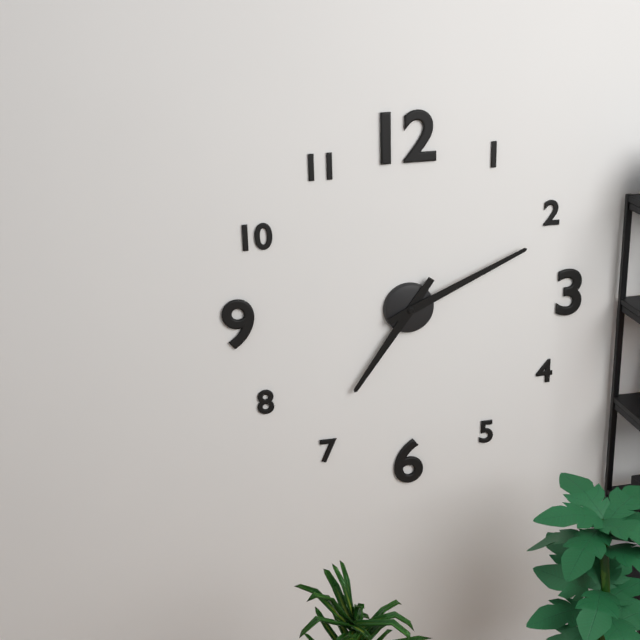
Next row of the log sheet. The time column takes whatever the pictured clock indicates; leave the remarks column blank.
7:11
